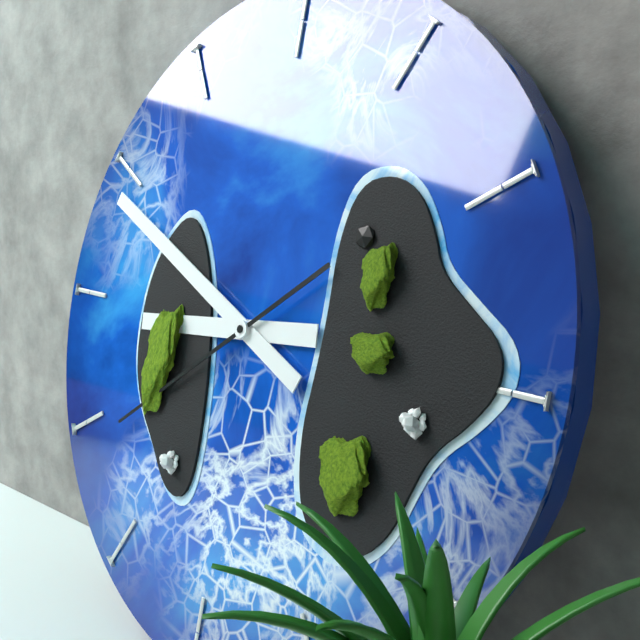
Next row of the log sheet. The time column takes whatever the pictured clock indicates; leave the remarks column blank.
8:49:39
